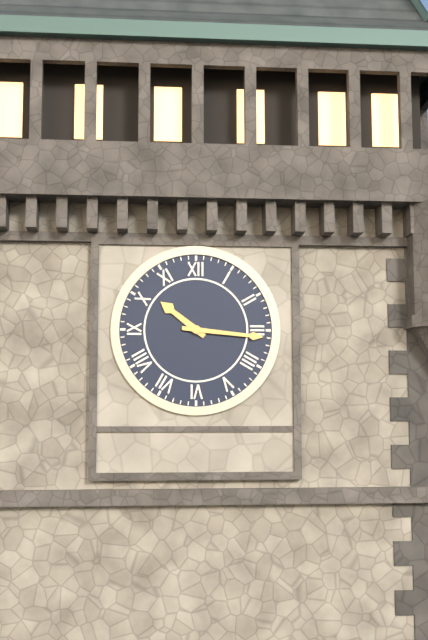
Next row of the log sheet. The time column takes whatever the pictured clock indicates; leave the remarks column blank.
10:16
